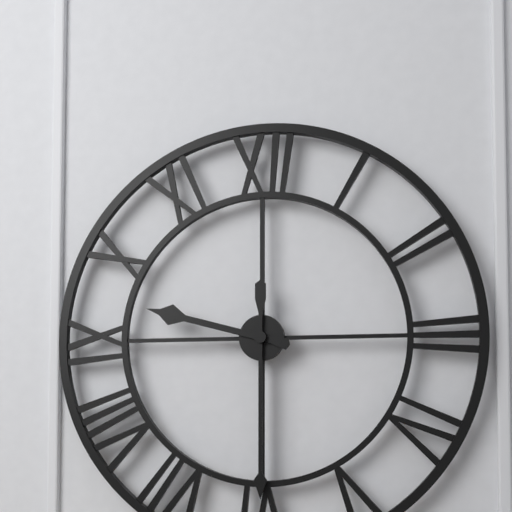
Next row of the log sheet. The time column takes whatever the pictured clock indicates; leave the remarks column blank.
9:30
